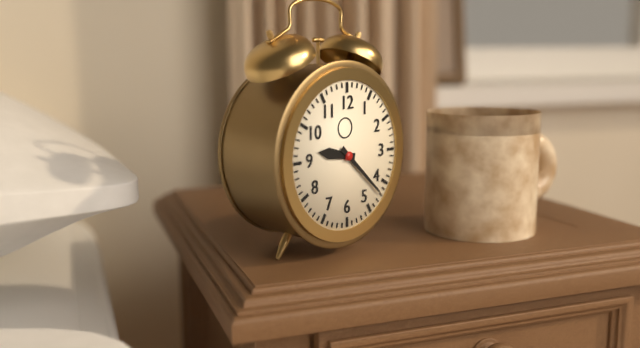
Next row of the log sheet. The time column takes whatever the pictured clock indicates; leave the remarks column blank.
9:22
